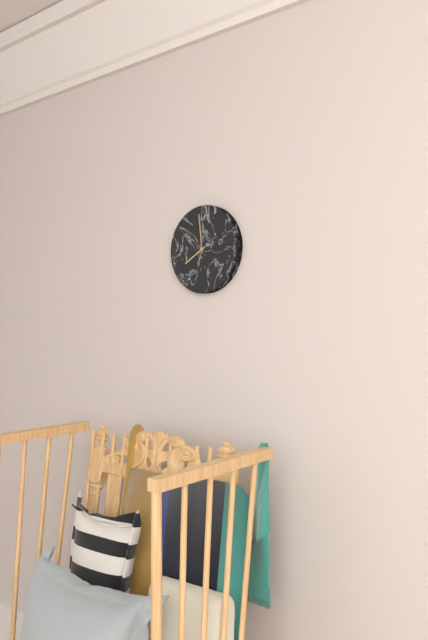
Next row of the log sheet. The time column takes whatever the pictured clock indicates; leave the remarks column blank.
7:59
